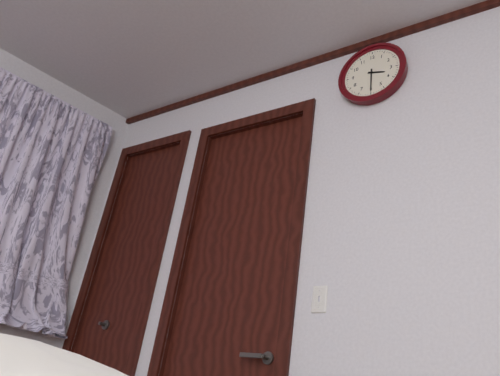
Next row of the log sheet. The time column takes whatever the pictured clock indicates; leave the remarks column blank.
3:30
